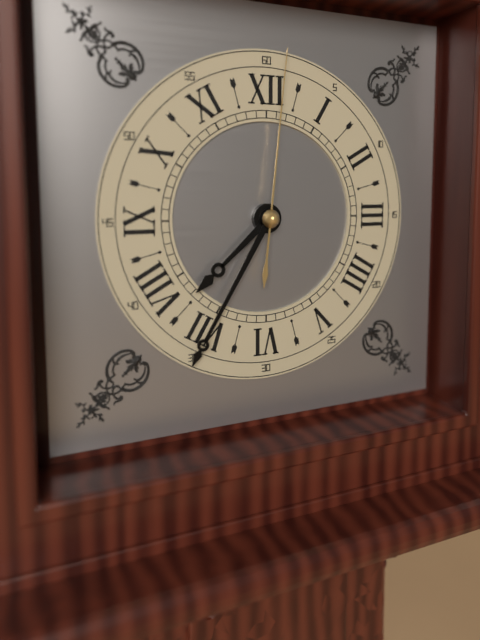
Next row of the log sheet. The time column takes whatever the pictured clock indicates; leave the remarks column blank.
7:35:01
